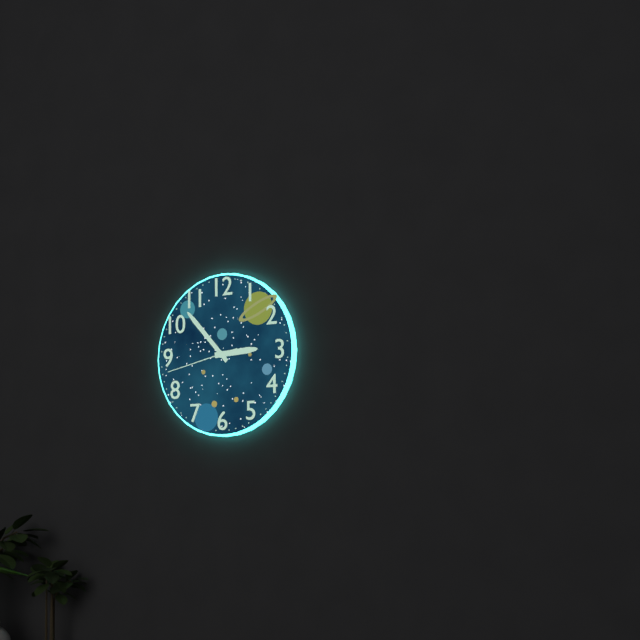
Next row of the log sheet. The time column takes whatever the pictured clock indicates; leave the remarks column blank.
2:53:43
